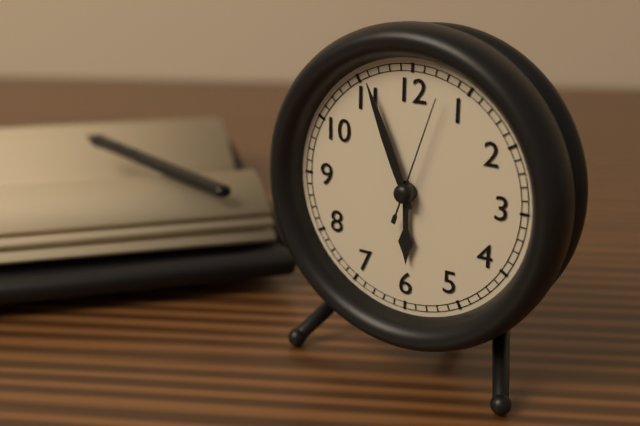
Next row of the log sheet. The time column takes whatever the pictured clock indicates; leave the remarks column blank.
5:56:03
